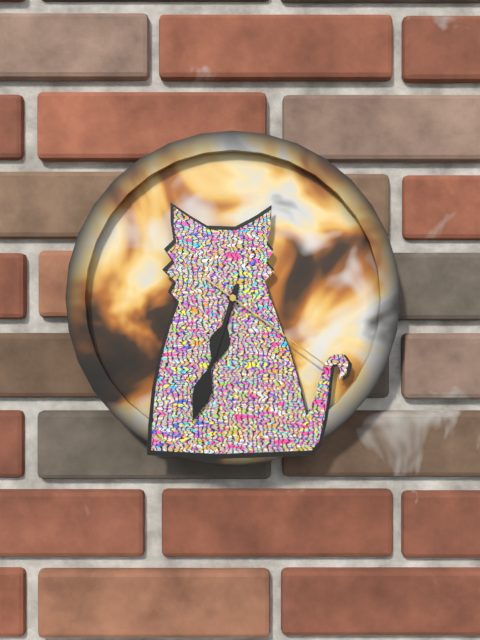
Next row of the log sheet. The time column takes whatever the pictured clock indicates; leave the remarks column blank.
6:33:21
